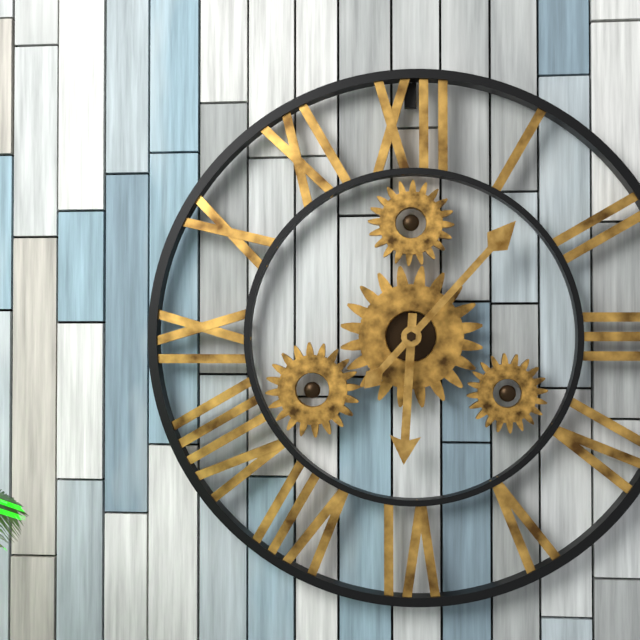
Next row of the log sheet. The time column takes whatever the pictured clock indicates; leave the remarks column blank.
6:07
